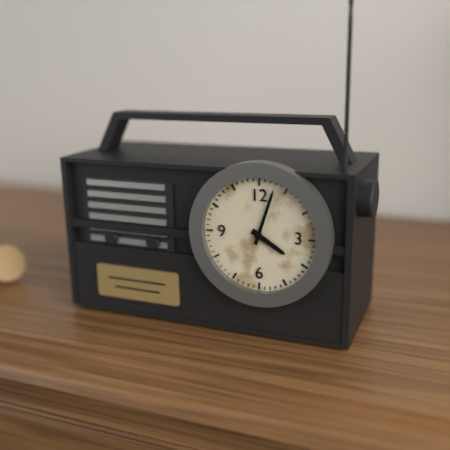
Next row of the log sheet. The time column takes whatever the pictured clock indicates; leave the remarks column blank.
4:03
